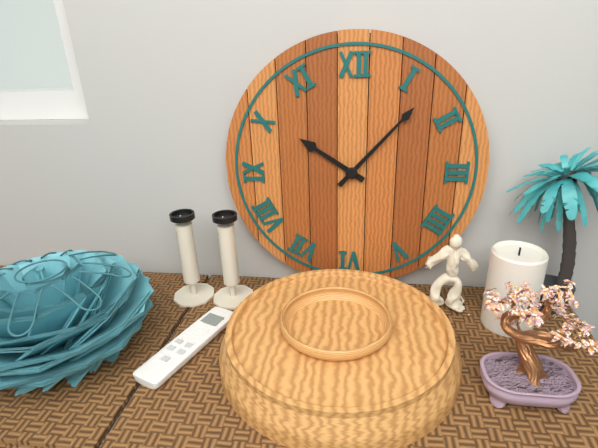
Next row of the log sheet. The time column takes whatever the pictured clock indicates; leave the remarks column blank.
10:07
